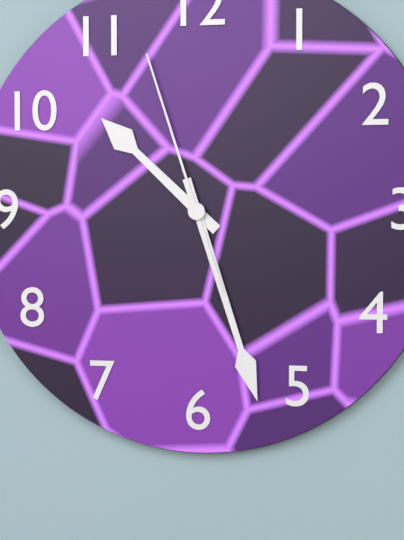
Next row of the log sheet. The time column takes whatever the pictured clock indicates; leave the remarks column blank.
10:27:57
